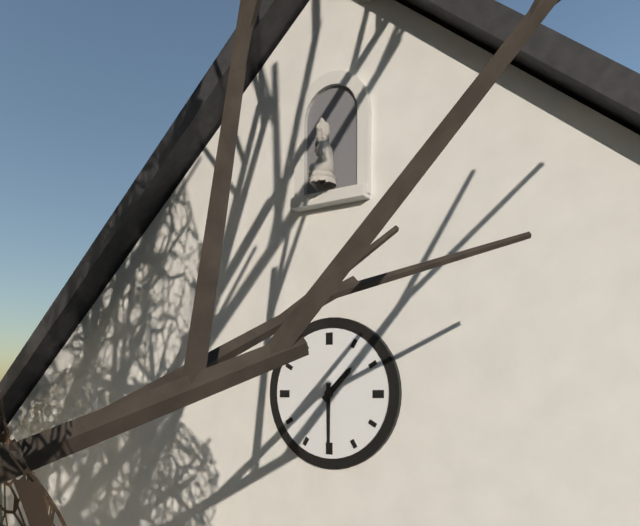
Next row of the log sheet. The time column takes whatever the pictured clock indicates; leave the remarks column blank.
1:30
